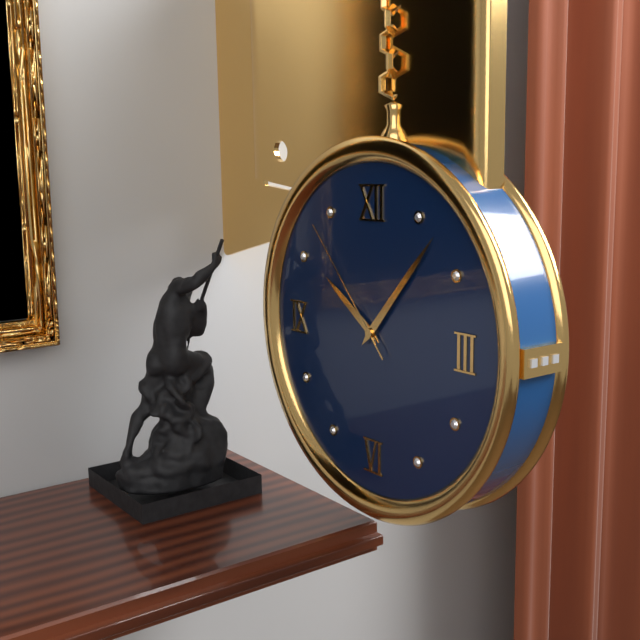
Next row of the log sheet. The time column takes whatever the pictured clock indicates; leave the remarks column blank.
10:07:53
